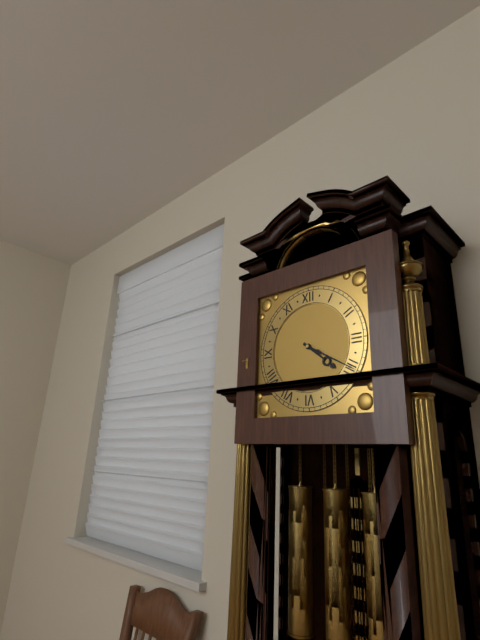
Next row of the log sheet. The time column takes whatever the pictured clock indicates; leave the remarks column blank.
4:20
